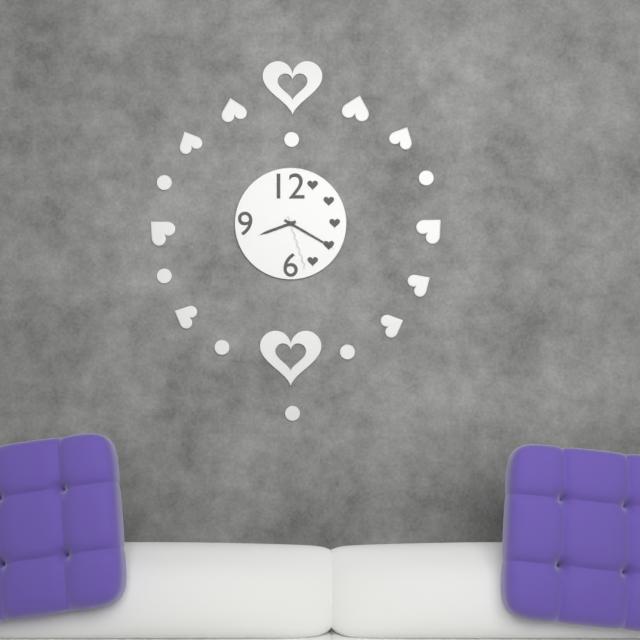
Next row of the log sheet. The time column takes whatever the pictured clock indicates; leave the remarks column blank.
8:20:27
